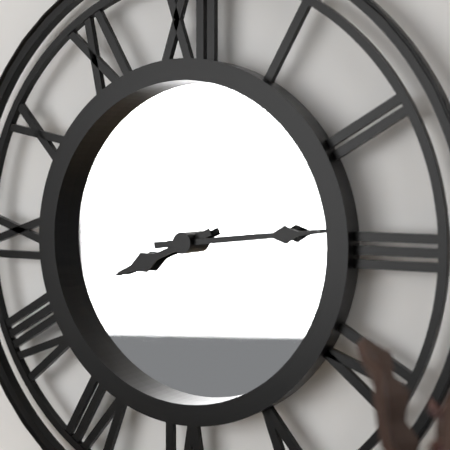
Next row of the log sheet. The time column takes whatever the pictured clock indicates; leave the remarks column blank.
8:14
